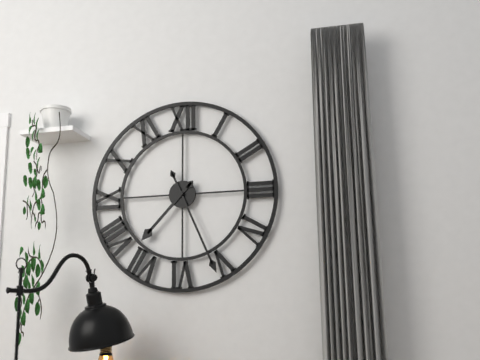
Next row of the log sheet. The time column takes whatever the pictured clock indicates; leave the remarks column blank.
7:26
